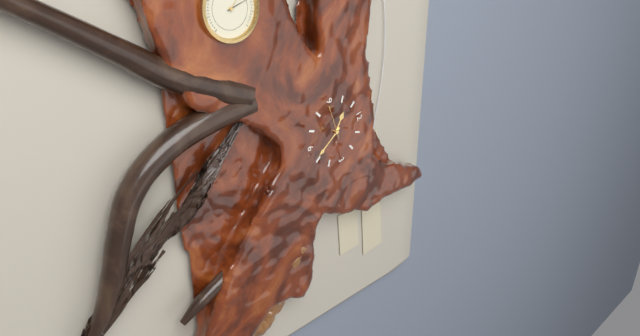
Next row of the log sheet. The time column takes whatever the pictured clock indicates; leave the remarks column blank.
10:26
